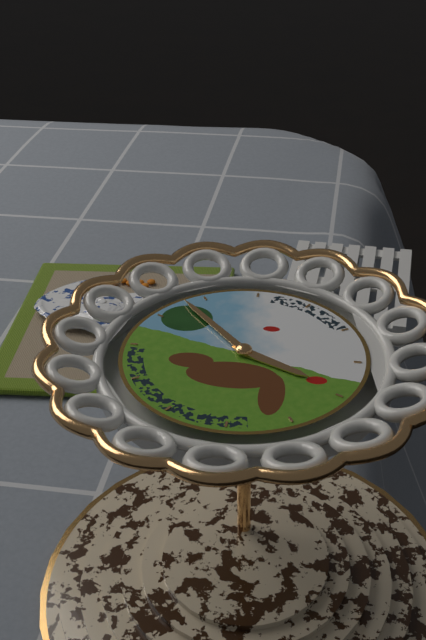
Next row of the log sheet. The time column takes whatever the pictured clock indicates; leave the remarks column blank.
3:53
